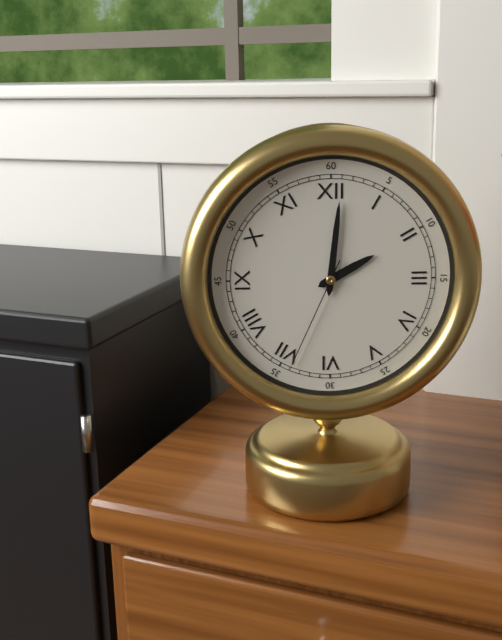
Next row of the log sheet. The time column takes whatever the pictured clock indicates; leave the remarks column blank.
2:01:34
